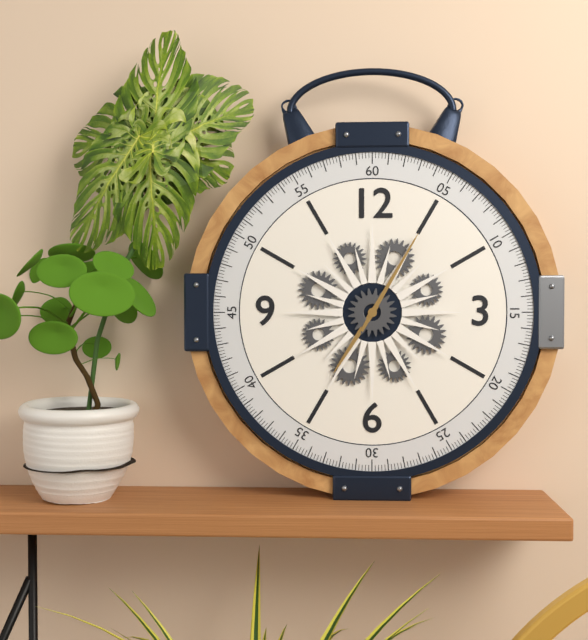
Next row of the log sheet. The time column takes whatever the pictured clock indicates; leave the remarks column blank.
7:05
